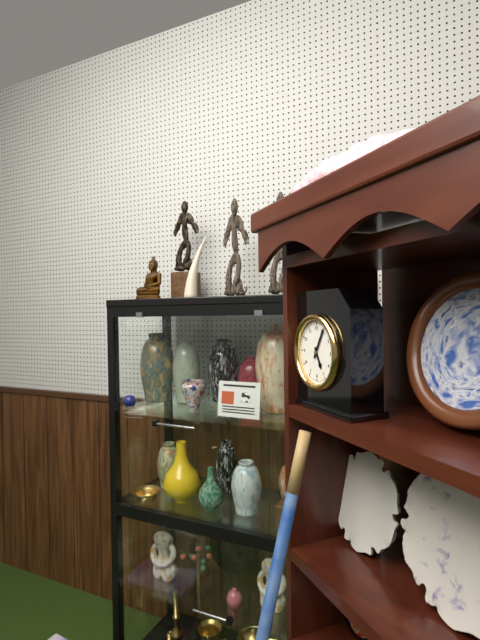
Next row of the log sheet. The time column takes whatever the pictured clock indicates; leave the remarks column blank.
5:05
